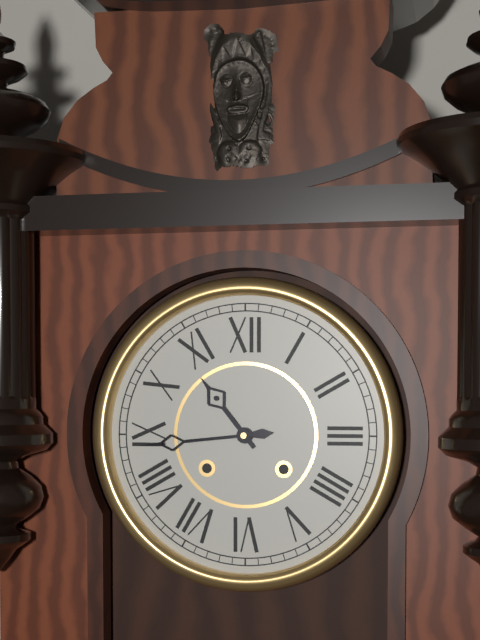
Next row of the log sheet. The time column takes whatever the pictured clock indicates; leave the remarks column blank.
10:44
